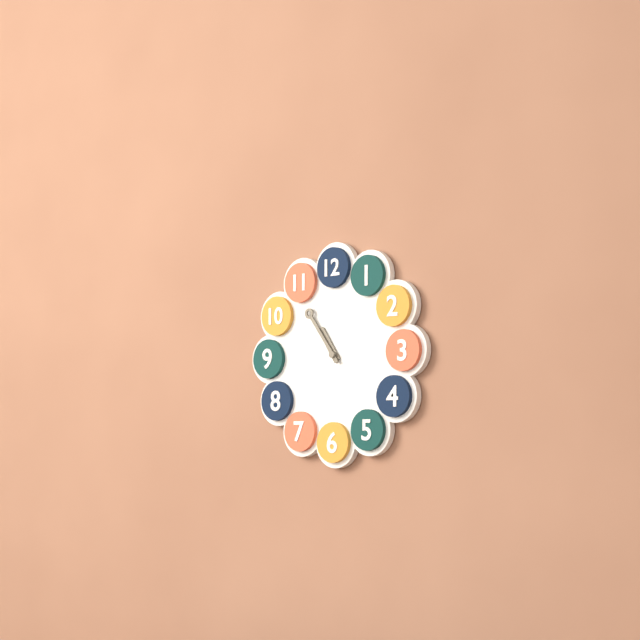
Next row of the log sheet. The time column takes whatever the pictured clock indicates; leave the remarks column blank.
10:54
